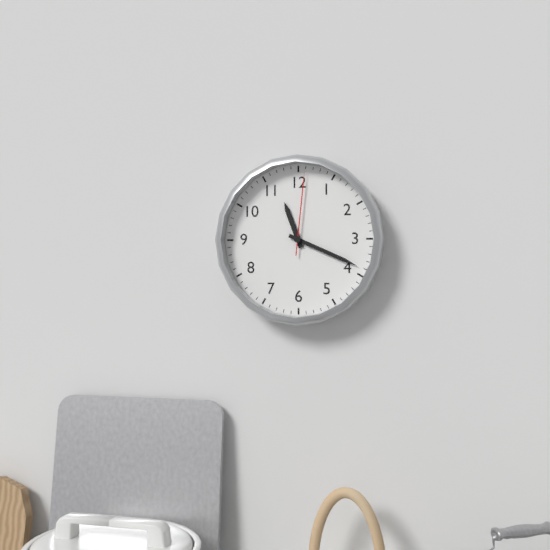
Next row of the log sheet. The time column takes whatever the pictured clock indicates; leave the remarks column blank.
11:19:01
